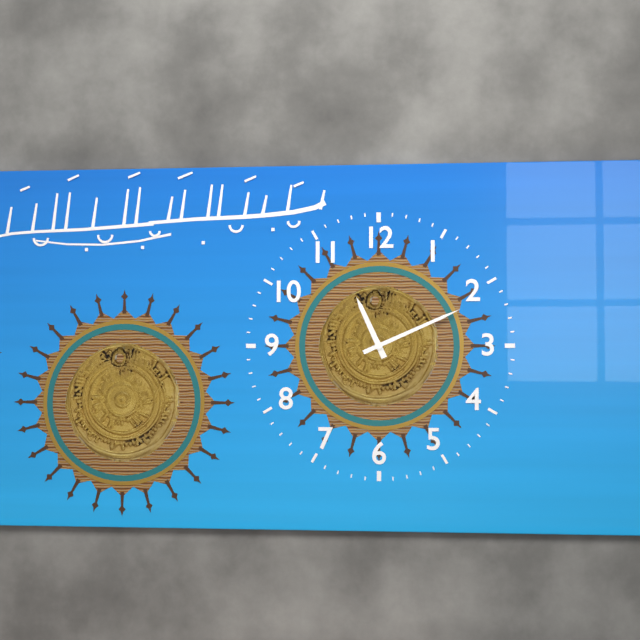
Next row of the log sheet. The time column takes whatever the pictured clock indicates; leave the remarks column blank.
11:11
